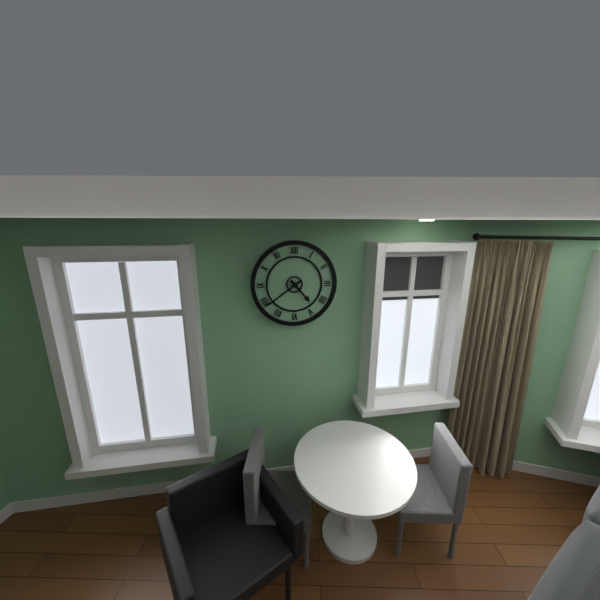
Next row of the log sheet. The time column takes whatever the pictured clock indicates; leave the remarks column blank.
4:39
